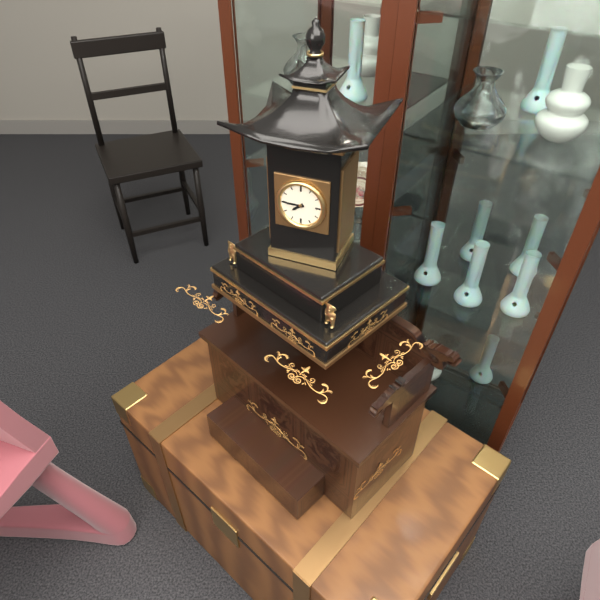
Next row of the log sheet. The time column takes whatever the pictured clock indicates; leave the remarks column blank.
7:45
